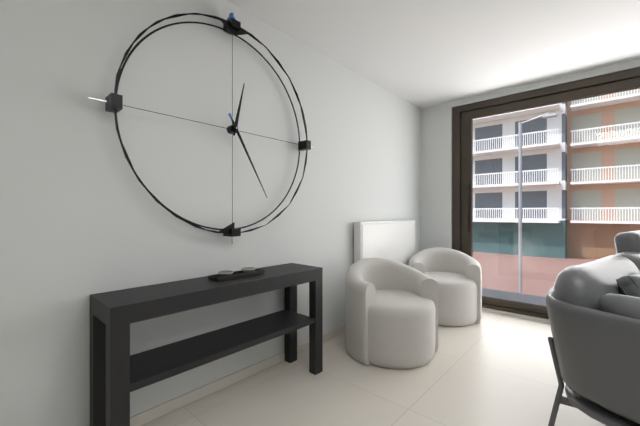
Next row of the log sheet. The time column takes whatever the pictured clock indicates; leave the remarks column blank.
12:25
